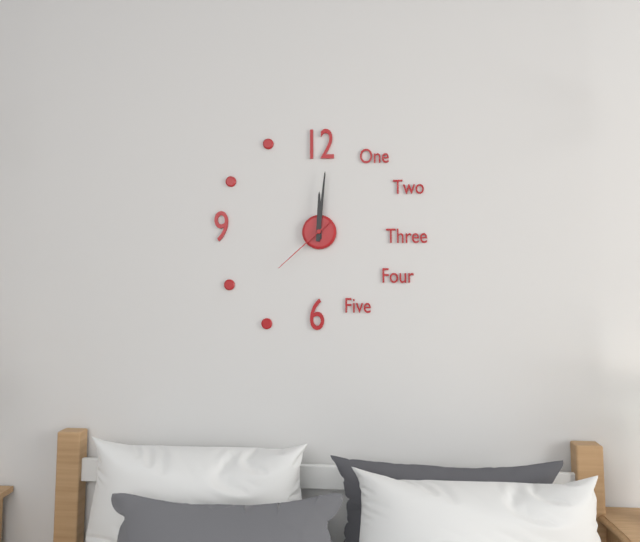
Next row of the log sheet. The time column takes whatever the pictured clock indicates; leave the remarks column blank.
12:01:38
